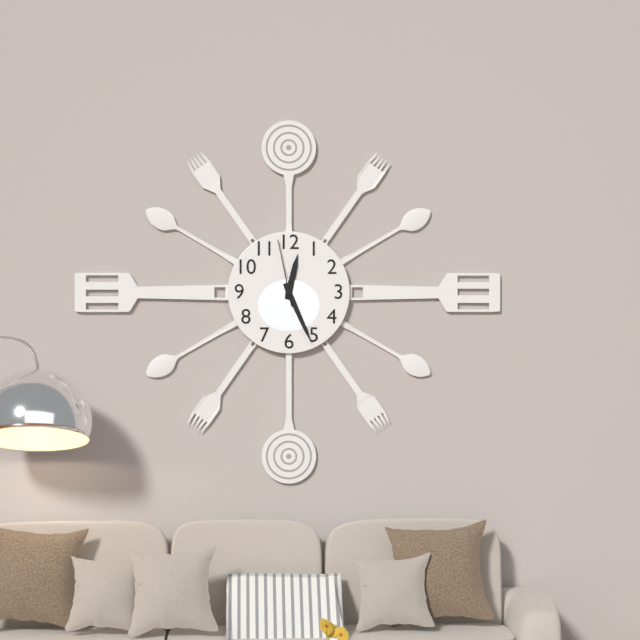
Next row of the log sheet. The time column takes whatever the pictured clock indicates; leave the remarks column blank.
12:26:58
